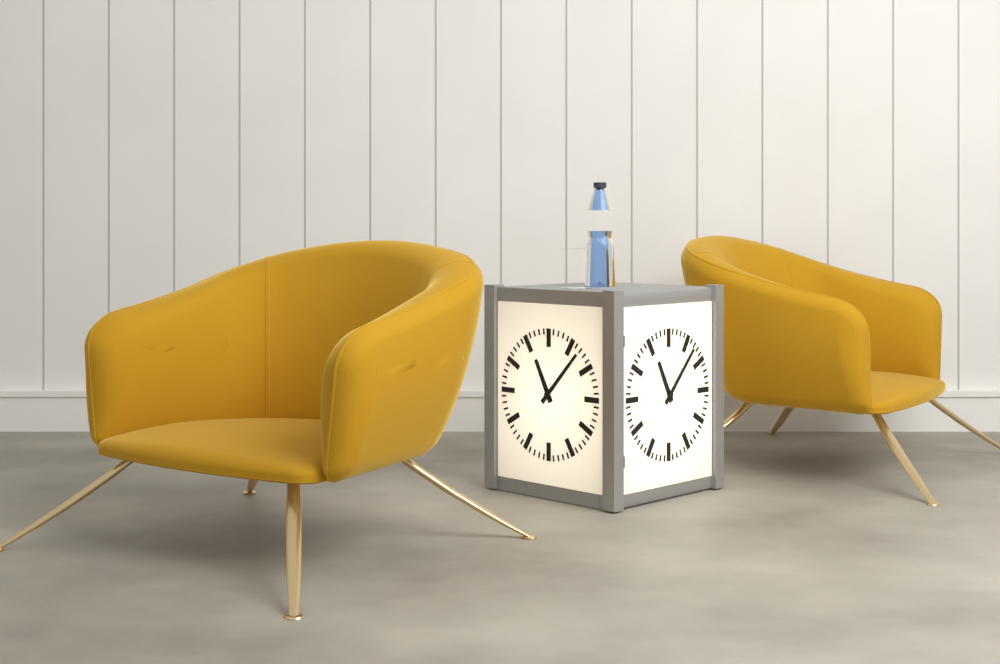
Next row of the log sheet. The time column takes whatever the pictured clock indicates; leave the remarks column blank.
11:07
